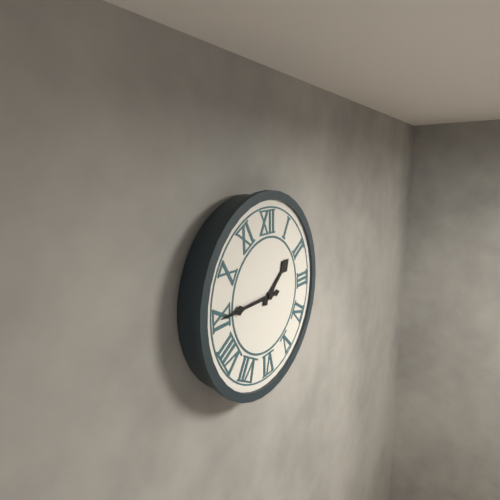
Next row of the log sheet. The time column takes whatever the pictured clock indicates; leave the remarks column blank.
1:45
